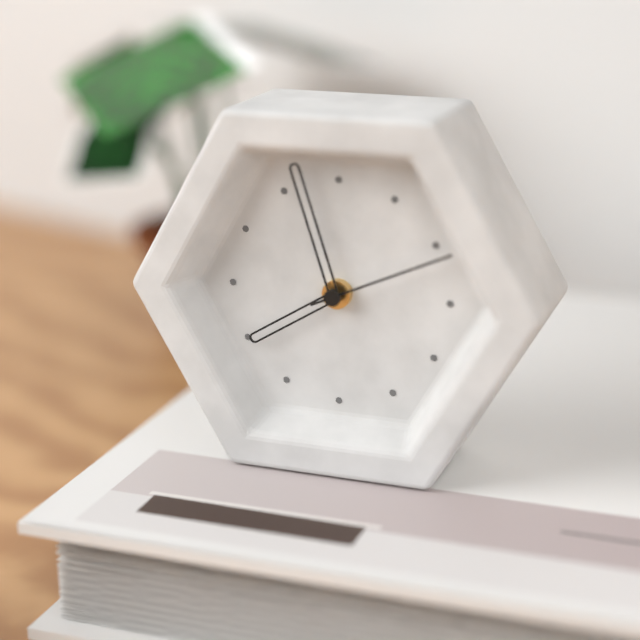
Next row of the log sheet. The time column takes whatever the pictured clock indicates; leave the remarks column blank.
7:57:11
